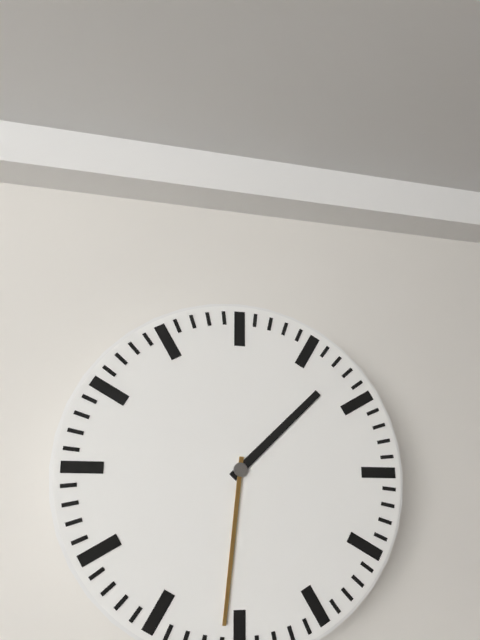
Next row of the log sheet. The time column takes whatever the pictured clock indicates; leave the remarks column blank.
1:31
